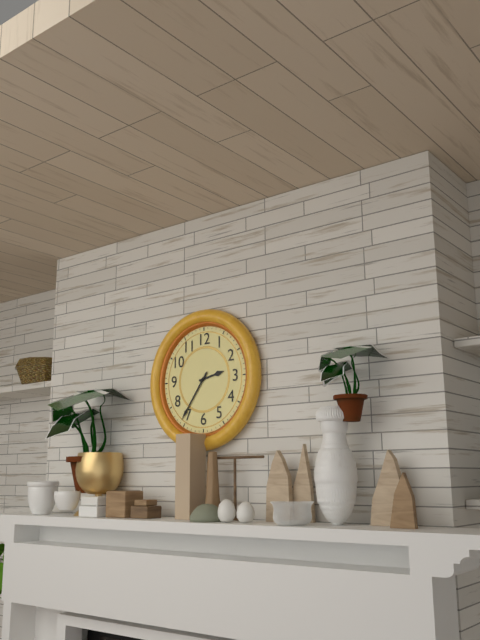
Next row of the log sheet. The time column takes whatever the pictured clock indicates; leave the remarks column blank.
2:36
